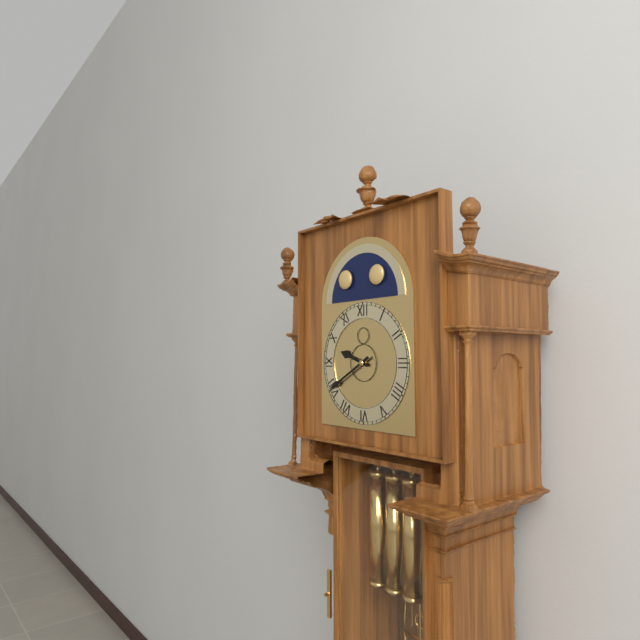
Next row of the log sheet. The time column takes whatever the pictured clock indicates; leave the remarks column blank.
9:40
